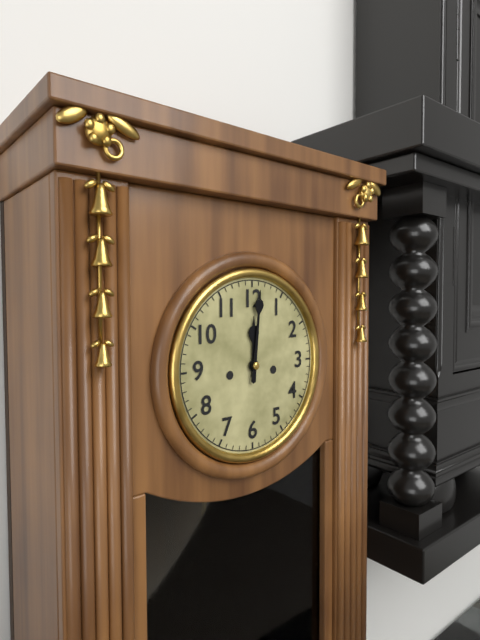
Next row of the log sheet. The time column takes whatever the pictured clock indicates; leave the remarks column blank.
12:01
